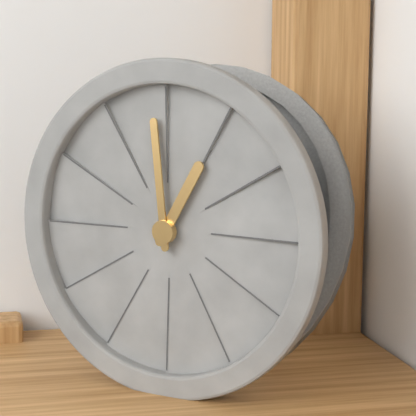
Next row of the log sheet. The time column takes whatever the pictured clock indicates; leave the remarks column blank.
12:59
